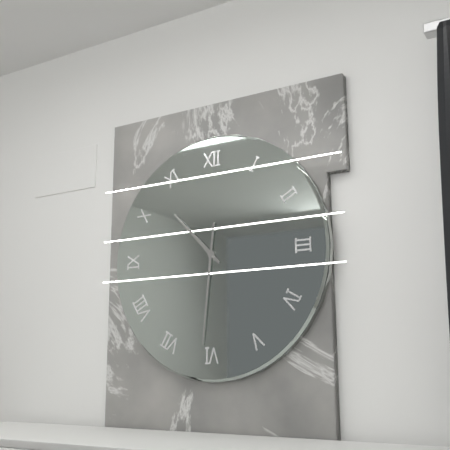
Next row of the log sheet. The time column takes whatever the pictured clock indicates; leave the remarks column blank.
10:31
